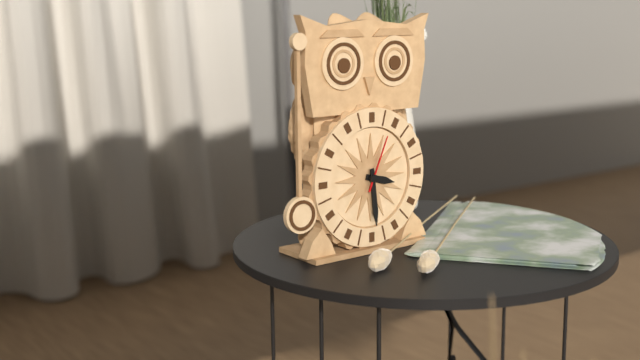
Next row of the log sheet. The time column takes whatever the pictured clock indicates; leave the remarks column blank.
3:29:04
